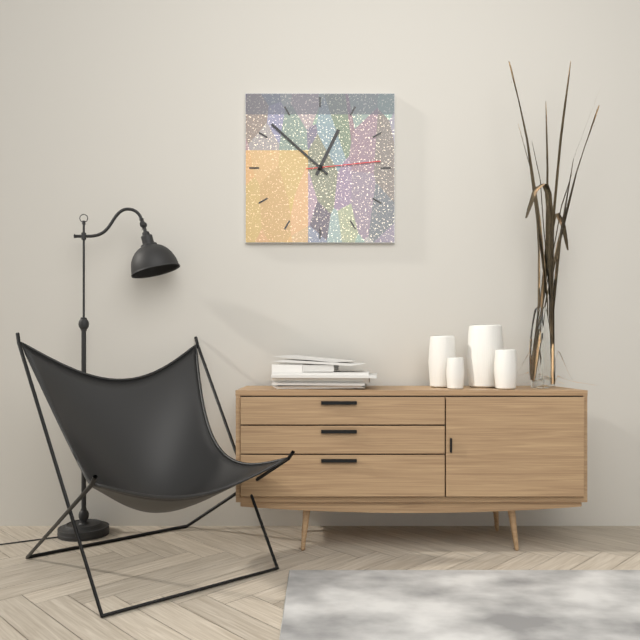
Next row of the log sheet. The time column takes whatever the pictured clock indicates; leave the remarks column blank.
12:52:14
